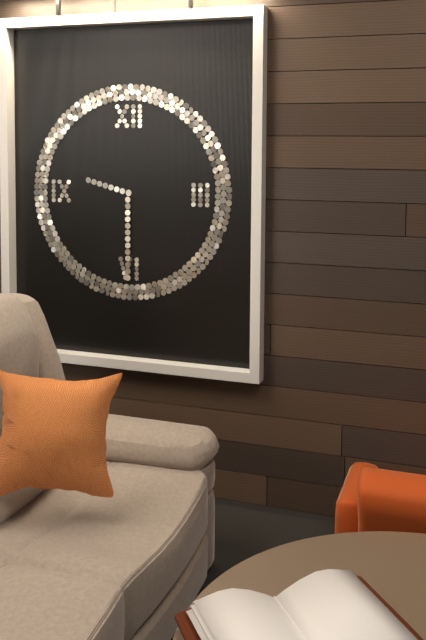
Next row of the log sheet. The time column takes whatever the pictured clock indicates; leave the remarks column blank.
9:30
